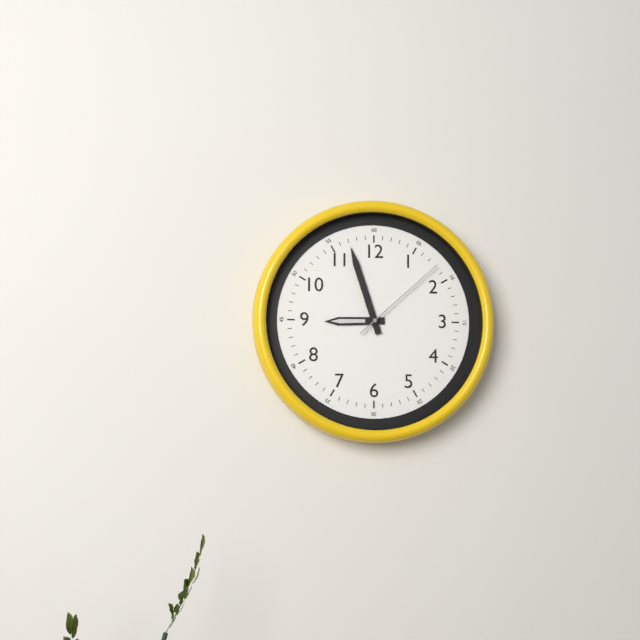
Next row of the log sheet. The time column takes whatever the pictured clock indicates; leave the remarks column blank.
8:57:08
